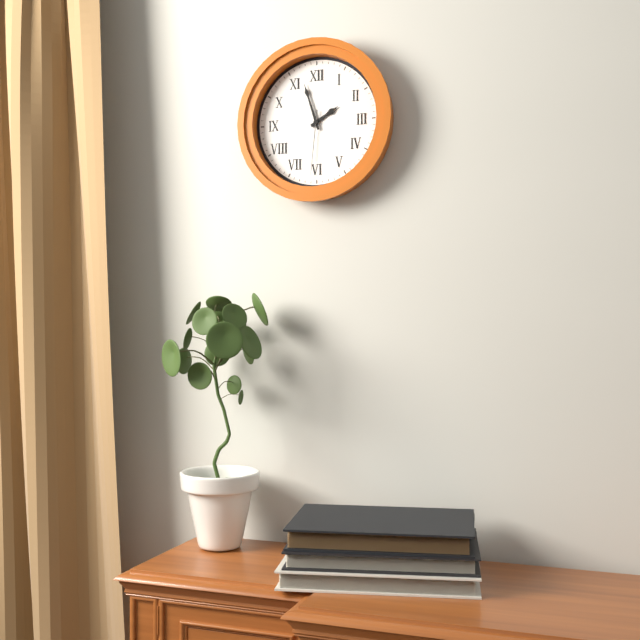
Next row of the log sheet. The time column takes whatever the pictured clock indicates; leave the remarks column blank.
1:57:31
